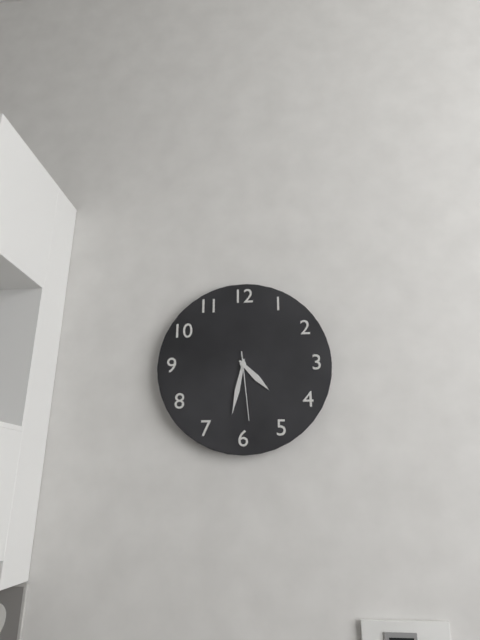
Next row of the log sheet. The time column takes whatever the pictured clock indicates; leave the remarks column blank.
4:32:29
